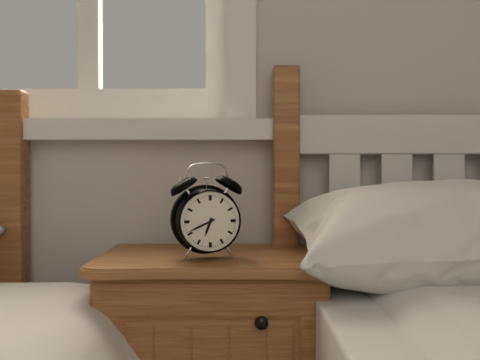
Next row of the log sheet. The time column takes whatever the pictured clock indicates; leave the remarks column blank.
6:41
